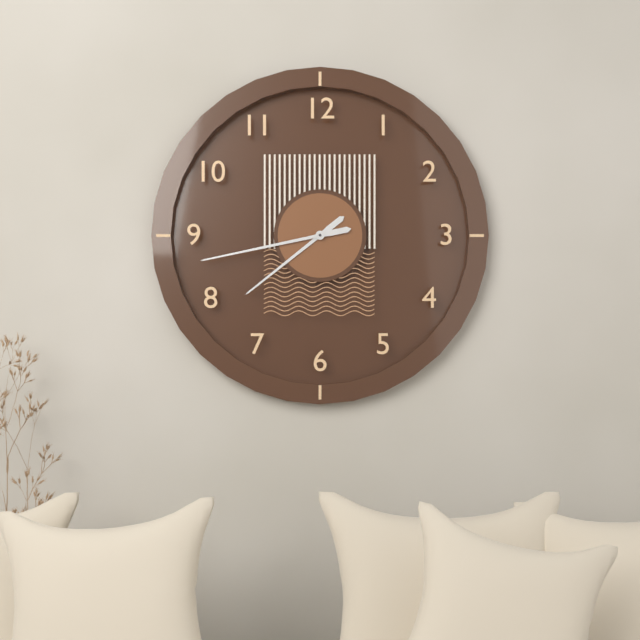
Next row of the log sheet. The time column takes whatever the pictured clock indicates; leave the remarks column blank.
7:43
